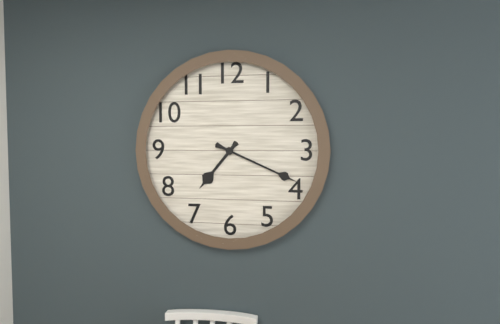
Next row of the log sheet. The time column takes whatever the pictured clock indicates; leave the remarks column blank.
7:19
